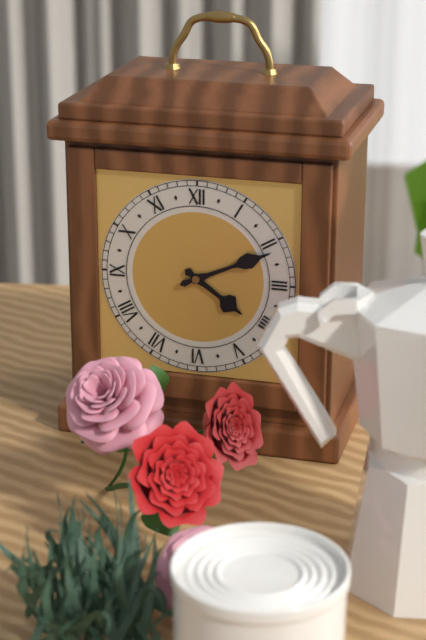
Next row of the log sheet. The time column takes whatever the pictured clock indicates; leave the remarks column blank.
4:11
